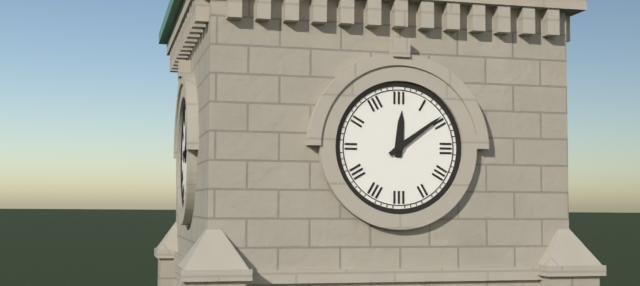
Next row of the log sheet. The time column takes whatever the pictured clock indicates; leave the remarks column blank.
12:09
